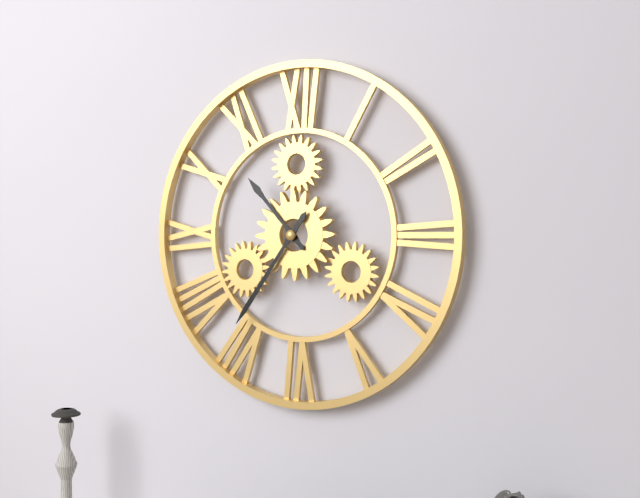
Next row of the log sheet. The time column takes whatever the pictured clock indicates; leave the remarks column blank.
10:36
